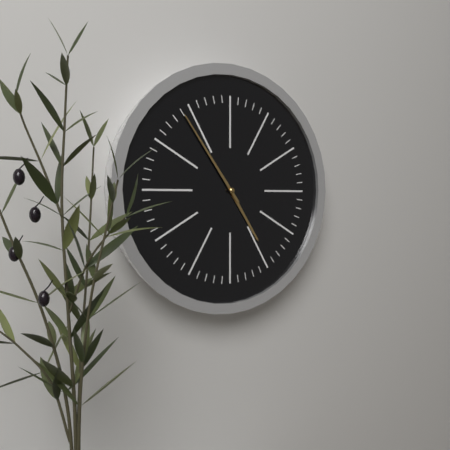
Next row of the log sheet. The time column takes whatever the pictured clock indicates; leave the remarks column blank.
4:54
